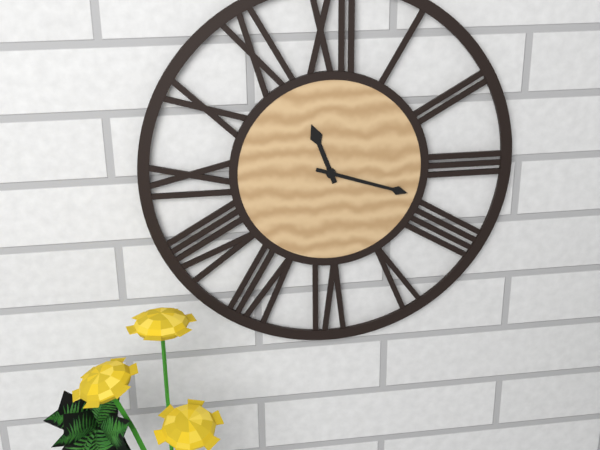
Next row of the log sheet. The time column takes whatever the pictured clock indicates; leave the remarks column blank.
11:18
